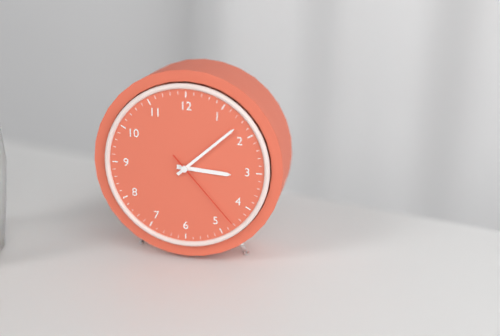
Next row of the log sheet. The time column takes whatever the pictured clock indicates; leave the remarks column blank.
3:08:23
